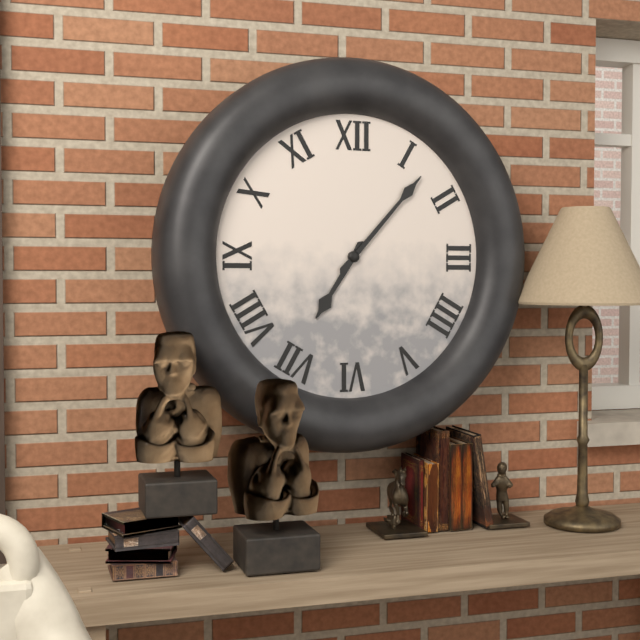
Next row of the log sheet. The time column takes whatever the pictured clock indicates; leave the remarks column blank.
7:07
